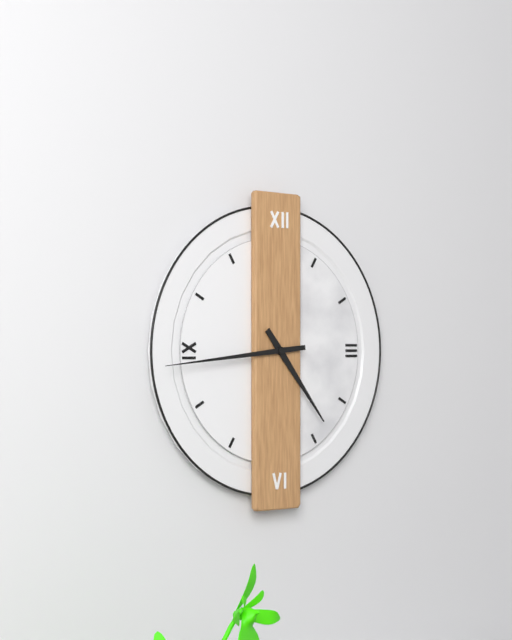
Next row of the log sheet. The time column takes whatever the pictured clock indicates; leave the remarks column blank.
4:44
